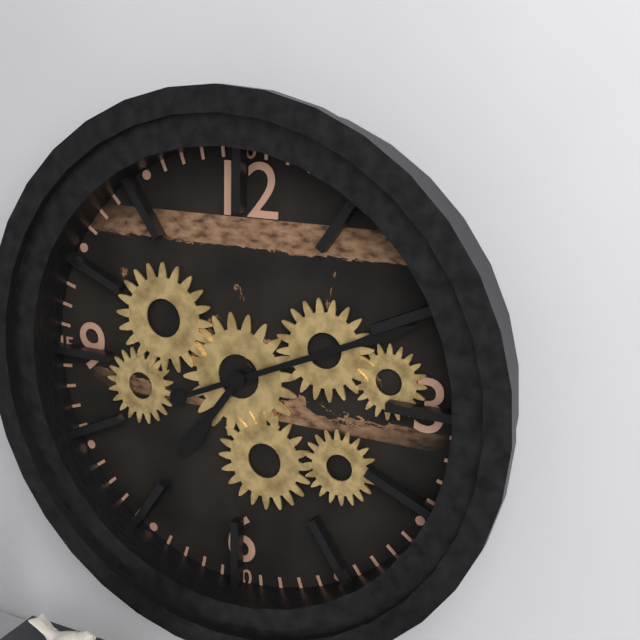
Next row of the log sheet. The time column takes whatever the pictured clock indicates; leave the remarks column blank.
7:11
